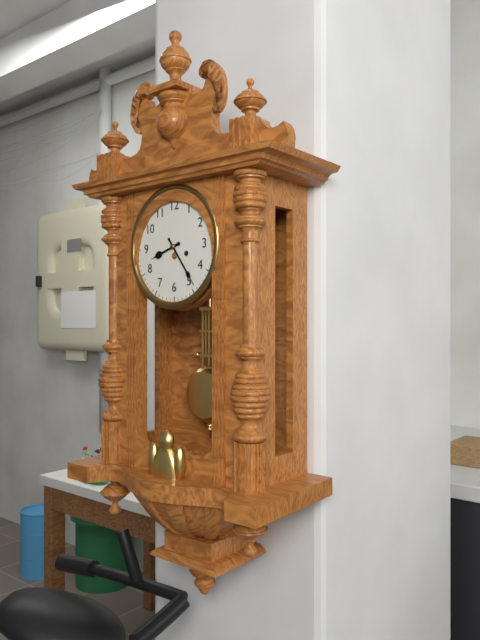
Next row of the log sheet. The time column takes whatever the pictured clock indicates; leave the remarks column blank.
8:24
